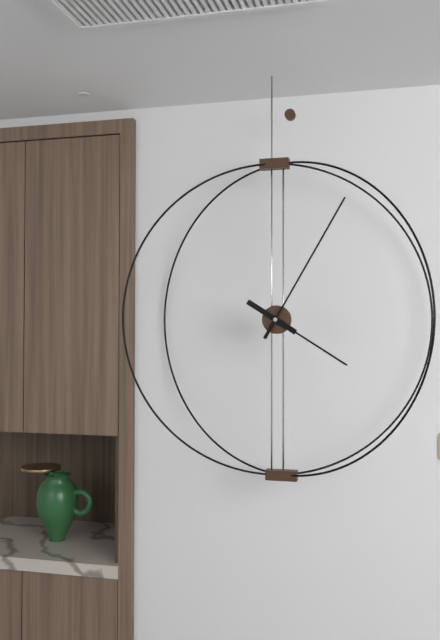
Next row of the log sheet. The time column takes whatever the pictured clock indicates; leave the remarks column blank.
4:05
